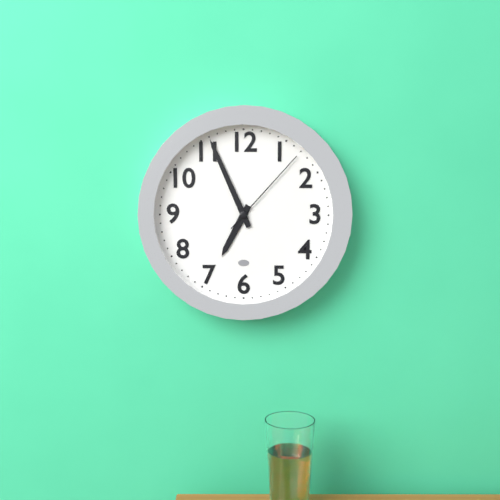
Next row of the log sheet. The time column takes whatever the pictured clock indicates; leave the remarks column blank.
6:56:07
